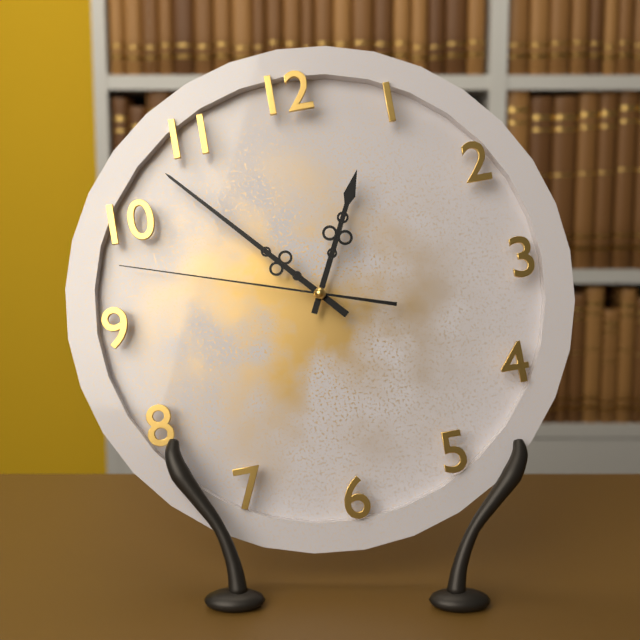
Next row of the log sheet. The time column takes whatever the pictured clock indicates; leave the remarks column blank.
12:53:48
